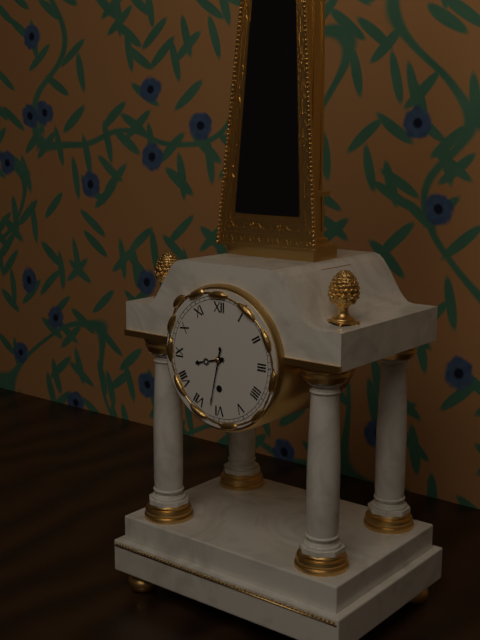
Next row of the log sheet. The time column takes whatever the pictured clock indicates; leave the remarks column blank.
8:32
